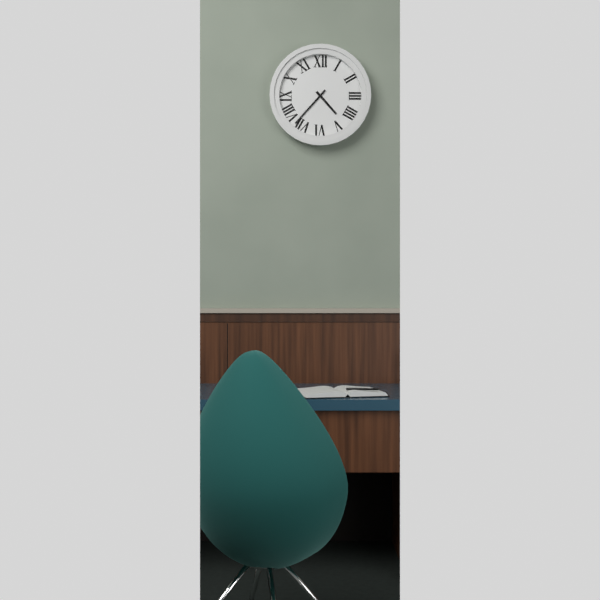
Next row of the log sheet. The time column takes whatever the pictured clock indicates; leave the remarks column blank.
4:37
